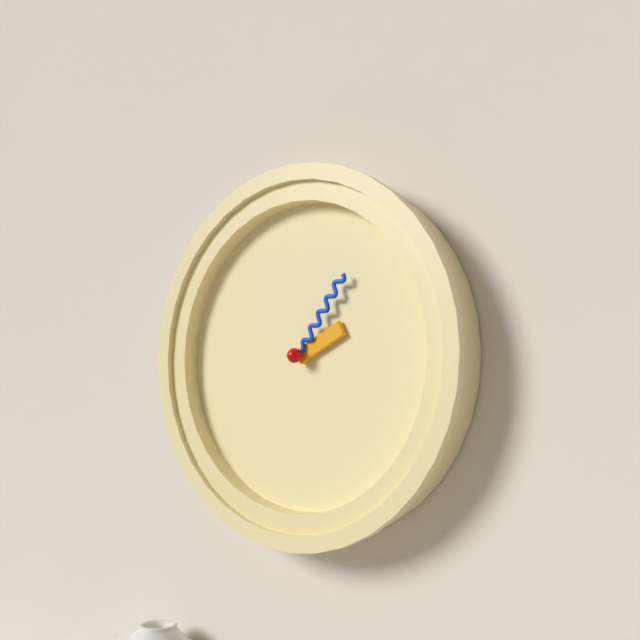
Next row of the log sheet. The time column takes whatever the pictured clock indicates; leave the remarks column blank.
2:06
